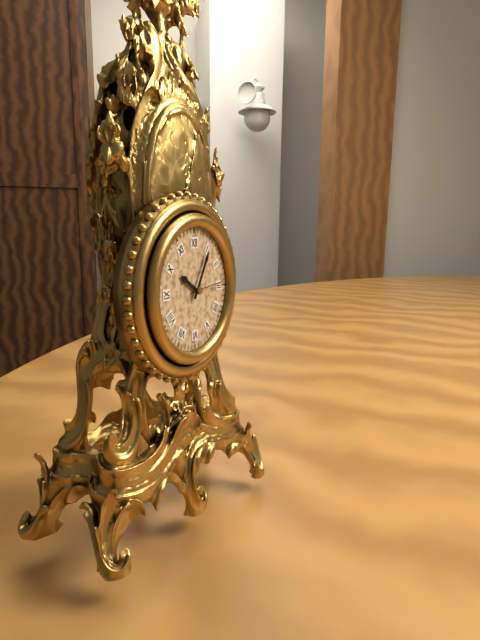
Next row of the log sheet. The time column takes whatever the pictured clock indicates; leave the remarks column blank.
10:05
